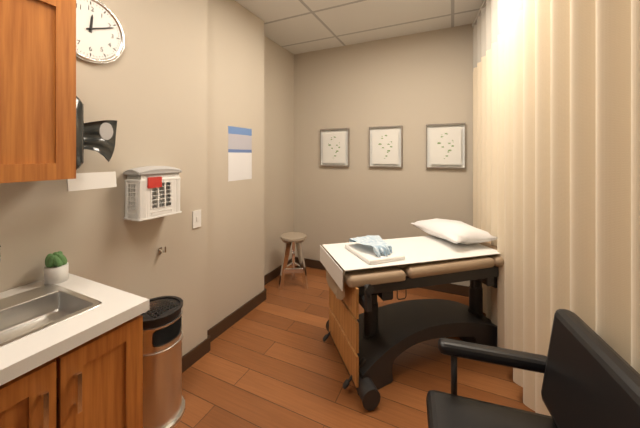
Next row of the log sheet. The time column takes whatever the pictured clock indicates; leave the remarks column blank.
12:11
